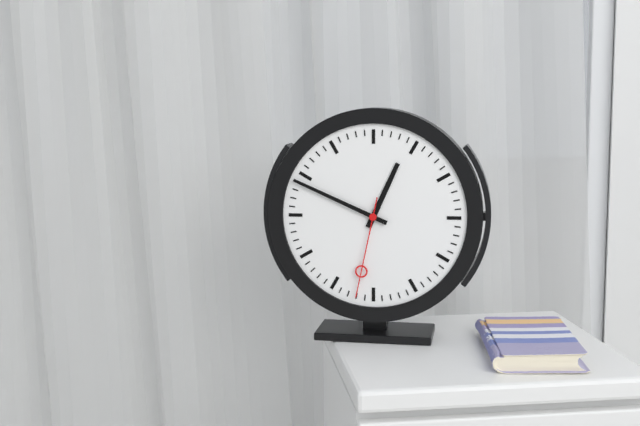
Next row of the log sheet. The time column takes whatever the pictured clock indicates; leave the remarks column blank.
12:49:32
